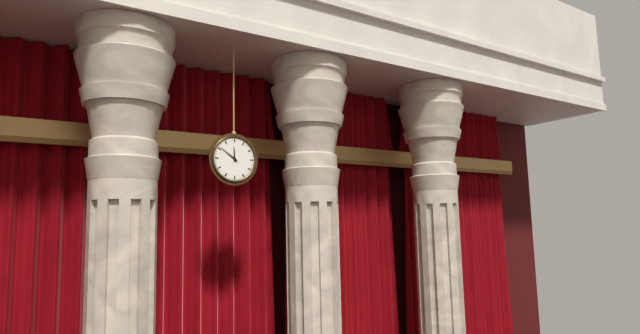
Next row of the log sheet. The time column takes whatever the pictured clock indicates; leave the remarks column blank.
11:51
